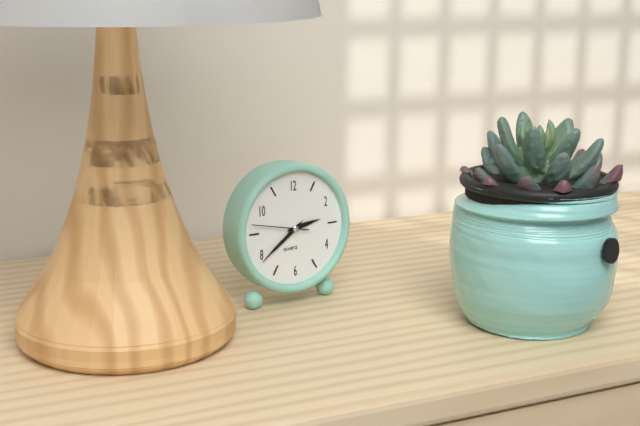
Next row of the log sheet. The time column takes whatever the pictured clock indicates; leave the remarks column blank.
2:39
